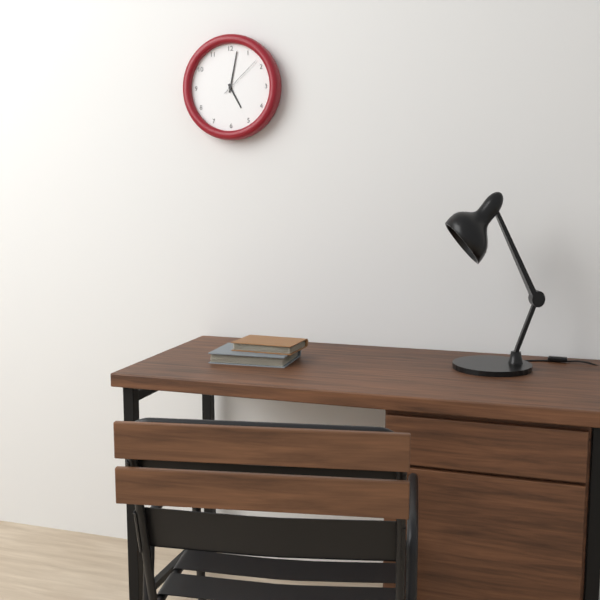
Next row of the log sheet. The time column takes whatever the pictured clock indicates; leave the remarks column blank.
5:02
